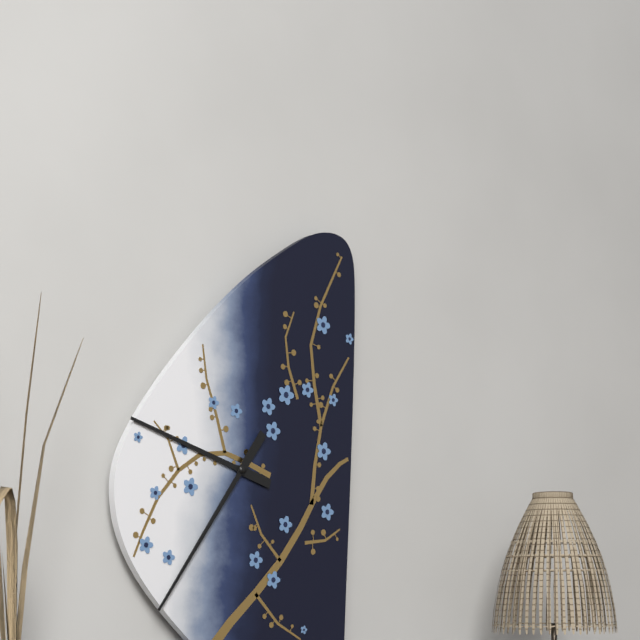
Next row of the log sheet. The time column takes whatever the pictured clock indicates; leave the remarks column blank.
9:36
